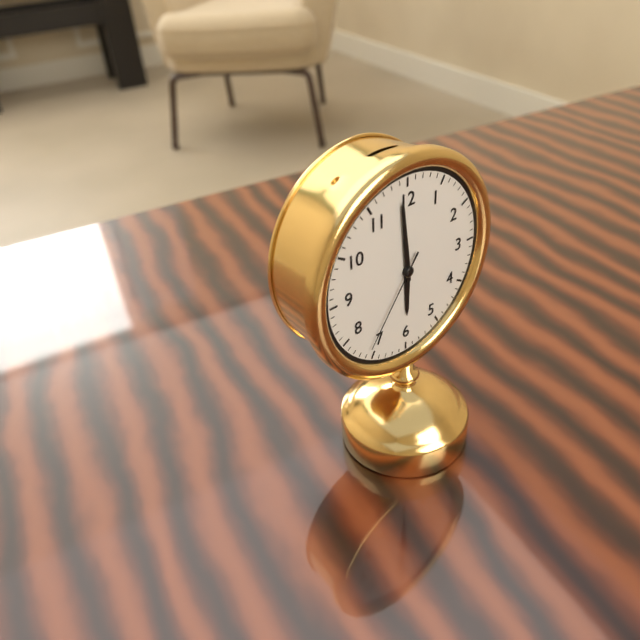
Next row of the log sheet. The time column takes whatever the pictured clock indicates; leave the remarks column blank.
5:59:36
